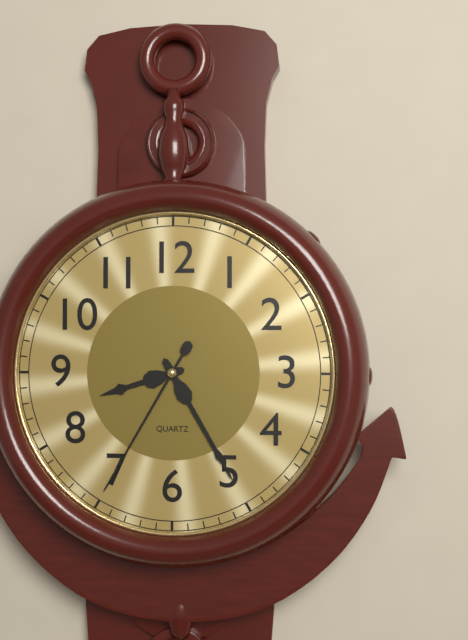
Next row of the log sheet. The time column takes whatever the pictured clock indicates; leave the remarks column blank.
8:25:35
